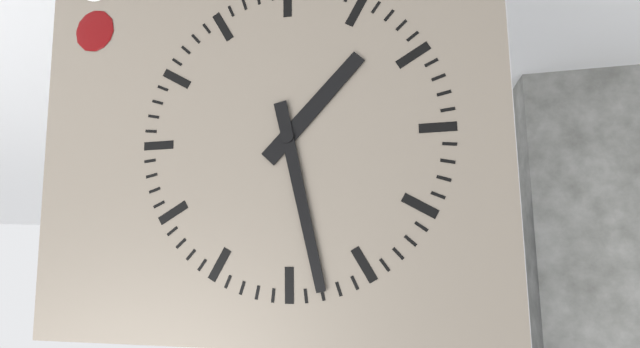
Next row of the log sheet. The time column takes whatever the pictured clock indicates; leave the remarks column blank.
1:28
